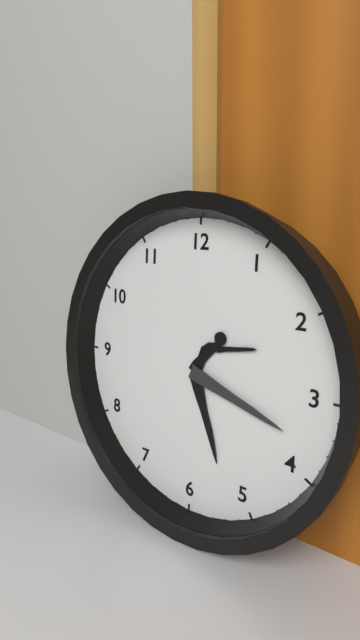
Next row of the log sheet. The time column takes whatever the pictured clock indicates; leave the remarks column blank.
5:18
